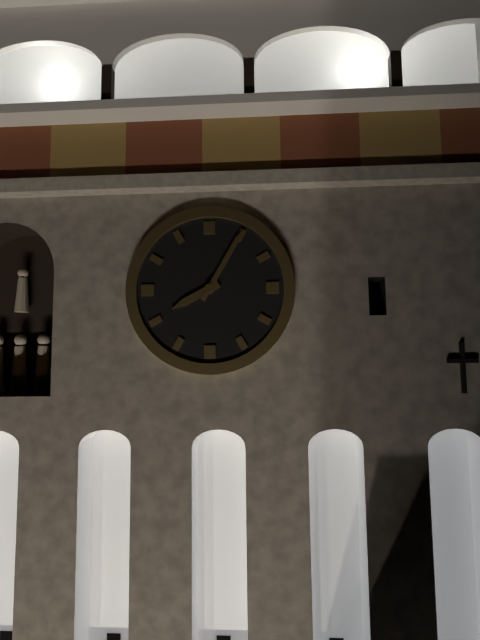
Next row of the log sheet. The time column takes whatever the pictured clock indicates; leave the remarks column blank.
8:05
